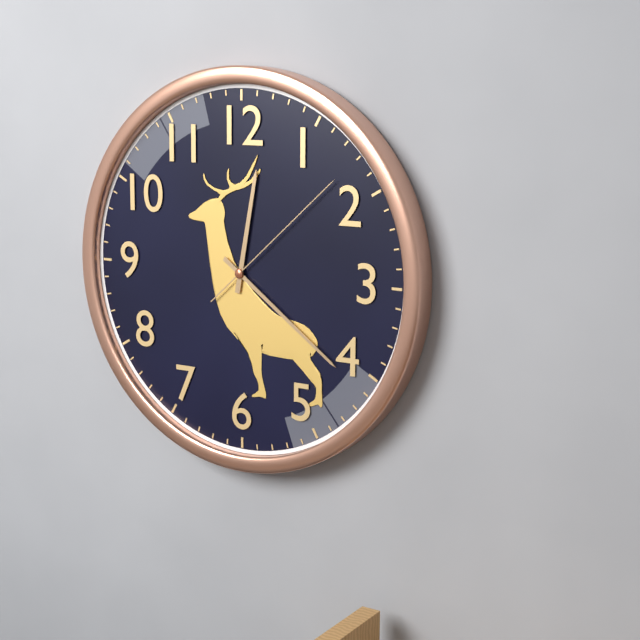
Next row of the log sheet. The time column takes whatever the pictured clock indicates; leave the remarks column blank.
12:21:08
